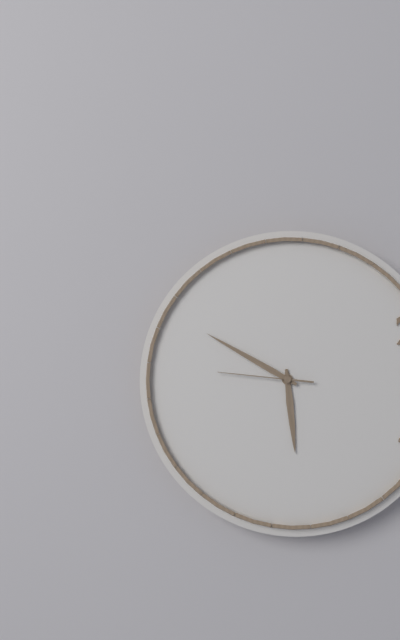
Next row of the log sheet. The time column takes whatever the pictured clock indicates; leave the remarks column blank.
5:50:46
